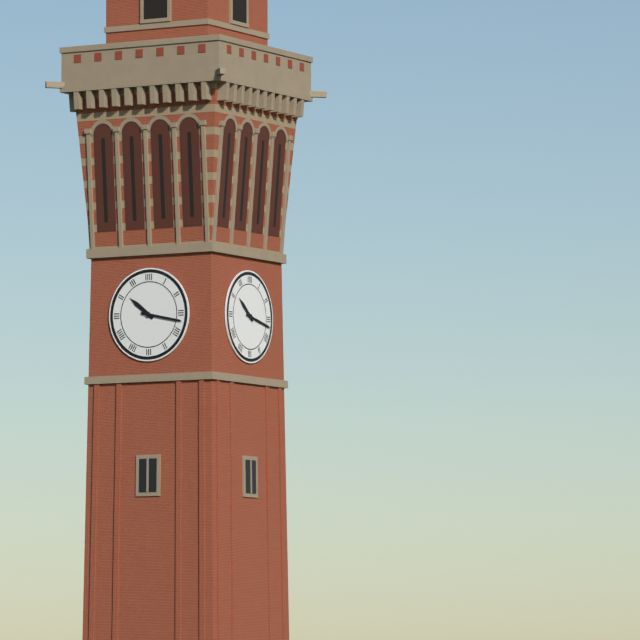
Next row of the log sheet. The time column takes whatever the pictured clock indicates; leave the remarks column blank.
10:17
